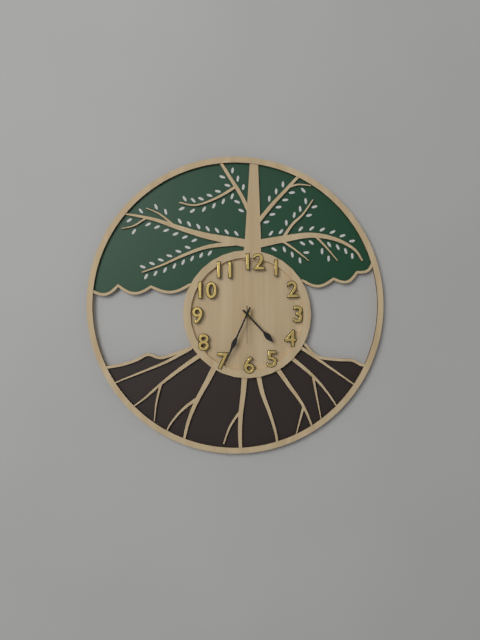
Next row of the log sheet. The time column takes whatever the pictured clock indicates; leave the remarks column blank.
4:34
